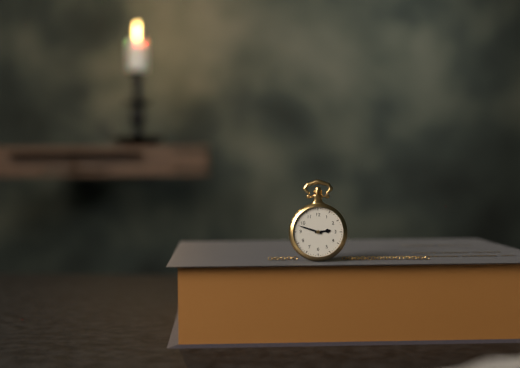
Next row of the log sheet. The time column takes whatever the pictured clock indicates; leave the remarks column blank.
2:48
